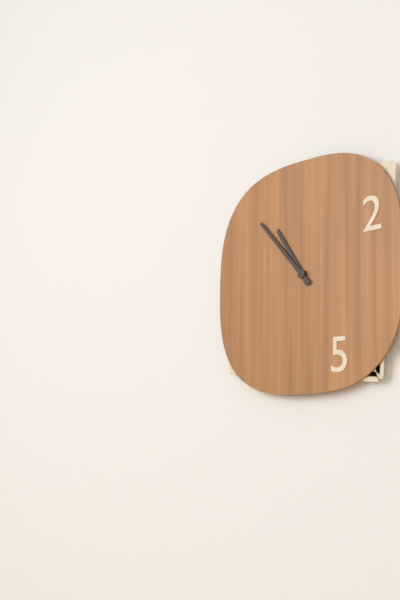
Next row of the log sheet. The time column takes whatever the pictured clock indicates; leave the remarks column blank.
10:53
